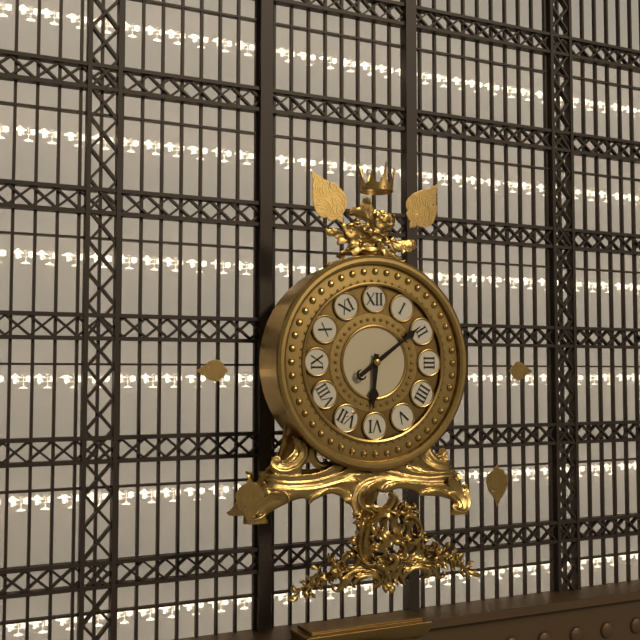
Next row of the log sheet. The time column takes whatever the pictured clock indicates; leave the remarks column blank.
6:09
